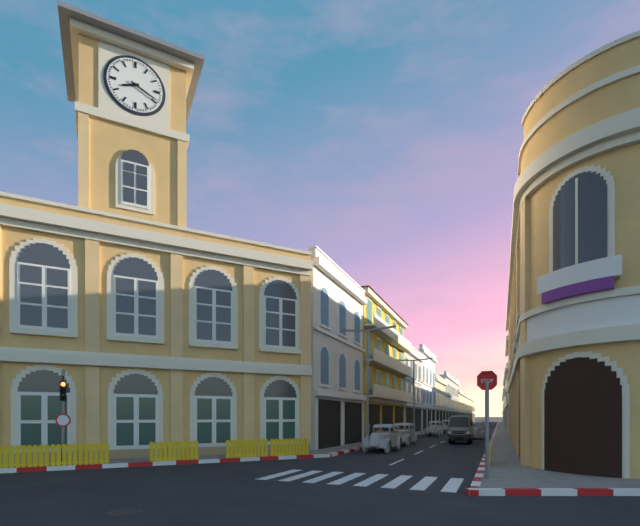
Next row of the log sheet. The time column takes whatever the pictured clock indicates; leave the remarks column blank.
8:19
